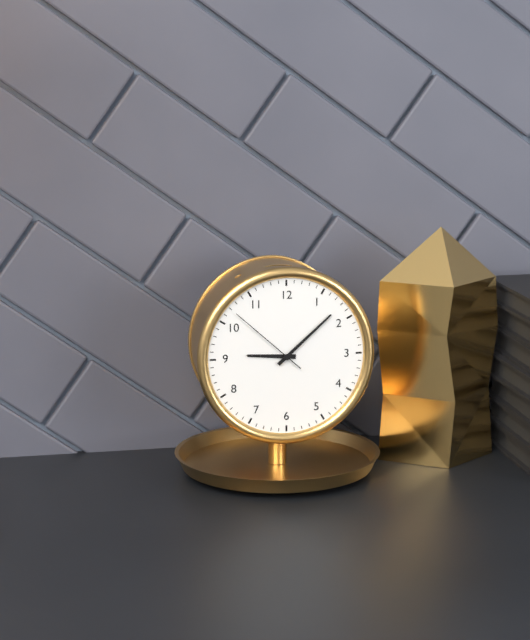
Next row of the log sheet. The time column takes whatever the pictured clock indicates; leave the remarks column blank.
9:08:52
